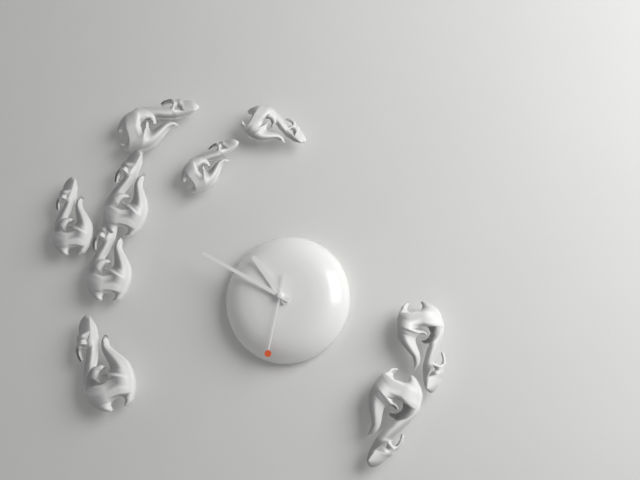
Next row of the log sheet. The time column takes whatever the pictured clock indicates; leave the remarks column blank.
10:50:32
